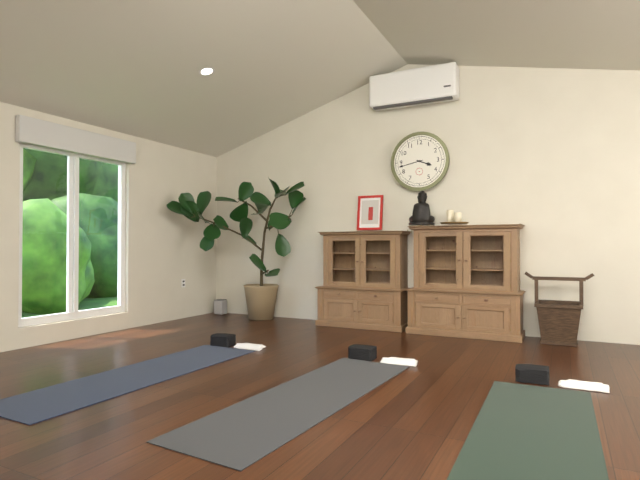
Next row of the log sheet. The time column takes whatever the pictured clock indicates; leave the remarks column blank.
3:43
